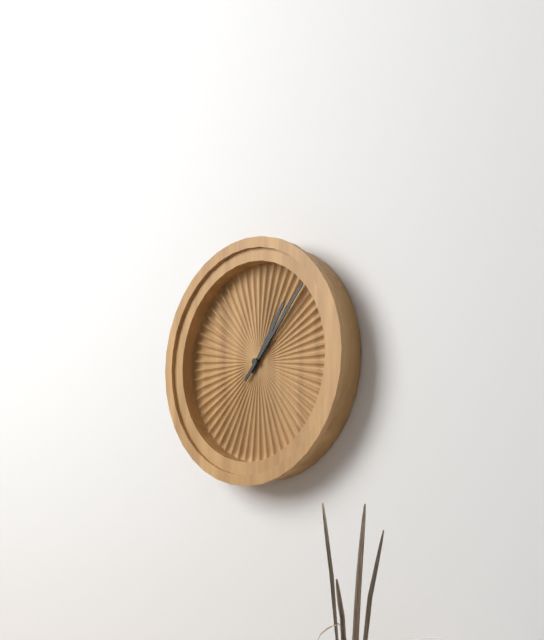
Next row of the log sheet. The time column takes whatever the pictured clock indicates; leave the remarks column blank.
1:07
